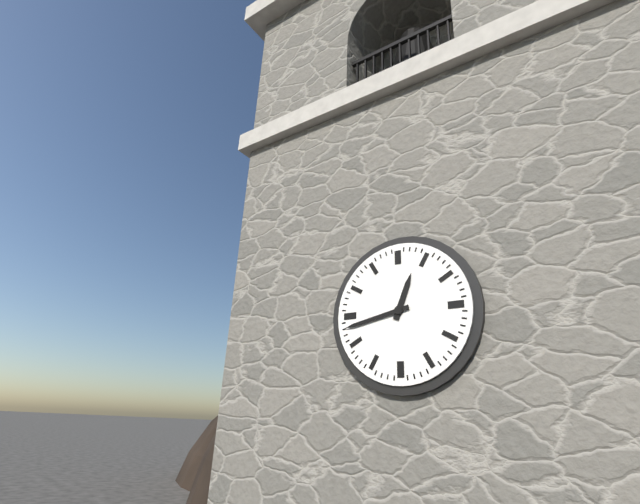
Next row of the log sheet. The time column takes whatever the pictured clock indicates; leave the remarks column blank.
12:43
